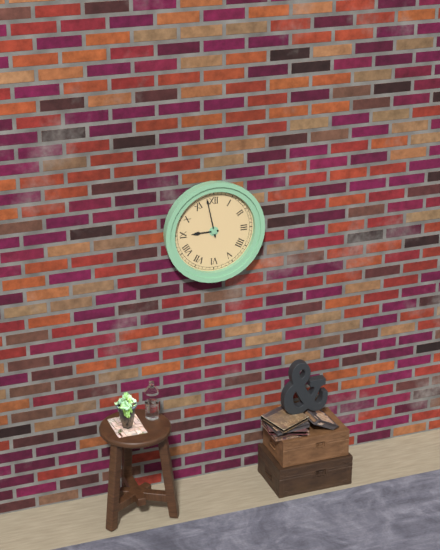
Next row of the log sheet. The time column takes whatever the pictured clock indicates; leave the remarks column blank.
8:58
